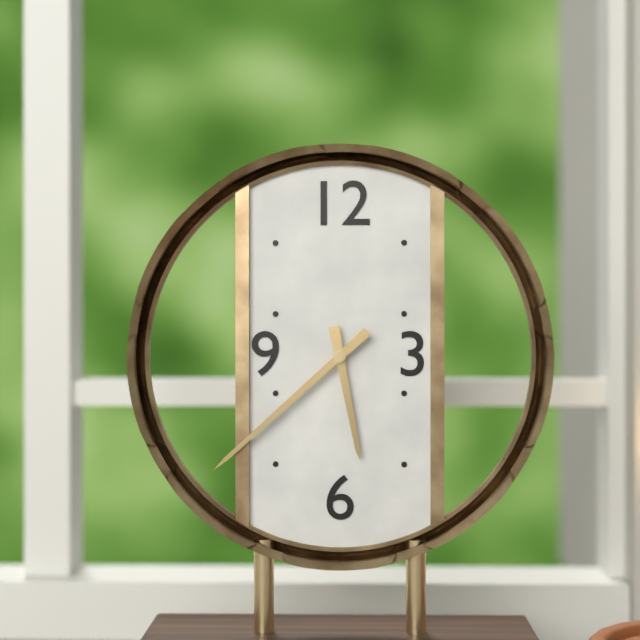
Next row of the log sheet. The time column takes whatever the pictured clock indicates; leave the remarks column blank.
5:38
